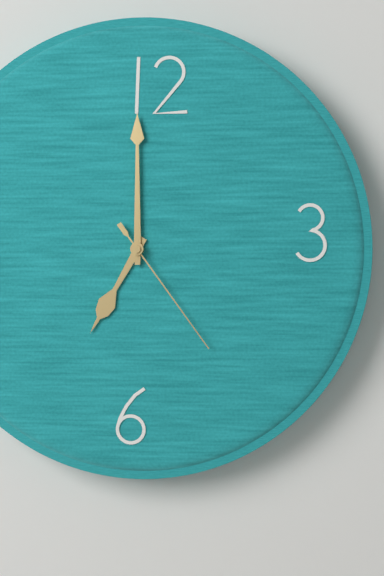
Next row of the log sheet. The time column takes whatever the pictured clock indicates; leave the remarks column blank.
7:00:24
